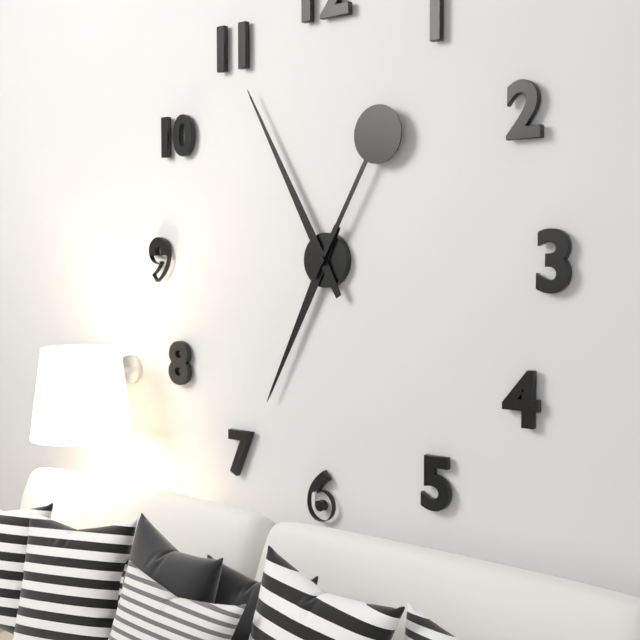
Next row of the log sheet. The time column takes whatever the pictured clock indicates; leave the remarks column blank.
6:55:05
